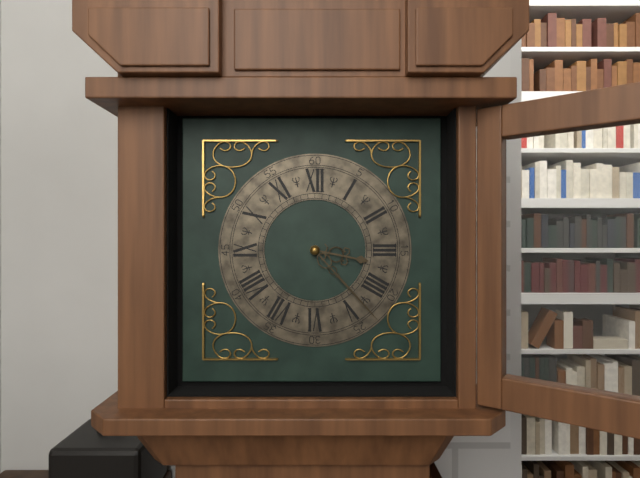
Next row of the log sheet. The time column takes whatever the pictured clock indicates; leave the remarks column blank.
3:23
